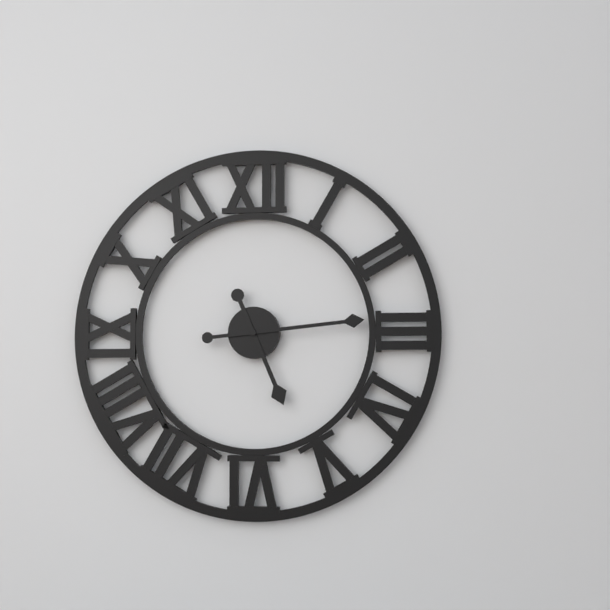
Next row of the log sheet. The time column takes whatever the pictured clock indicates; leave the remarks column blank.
5:14
